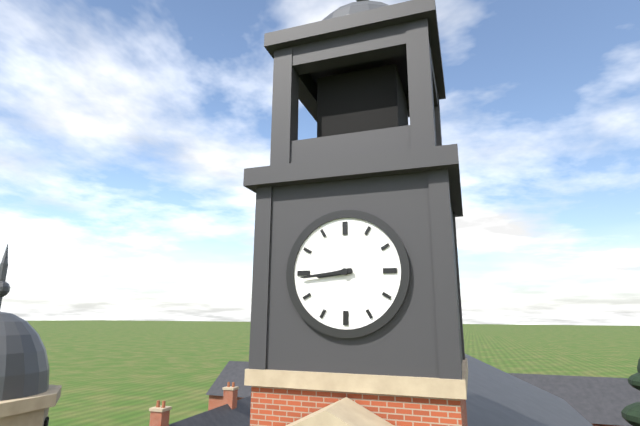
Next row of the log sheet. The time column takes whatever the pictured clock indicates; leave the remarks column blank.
8:44
